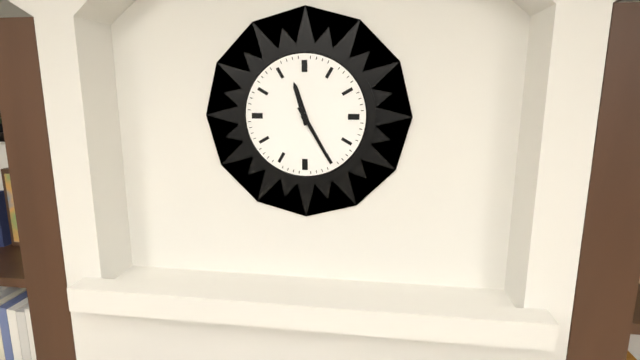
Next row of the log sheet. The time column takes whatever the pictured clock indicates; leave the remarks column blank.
11:25
